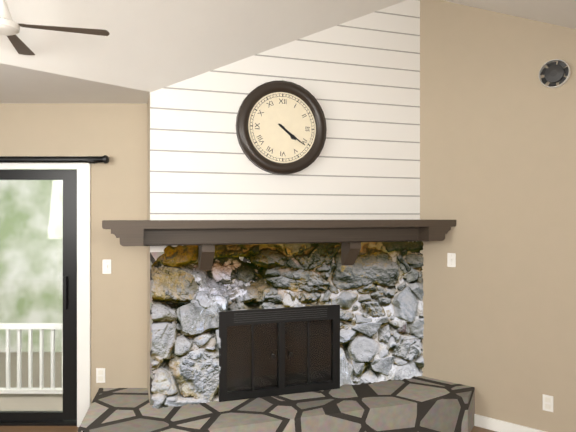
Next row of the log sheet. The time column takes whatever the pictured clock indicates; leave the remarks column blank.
4:21
